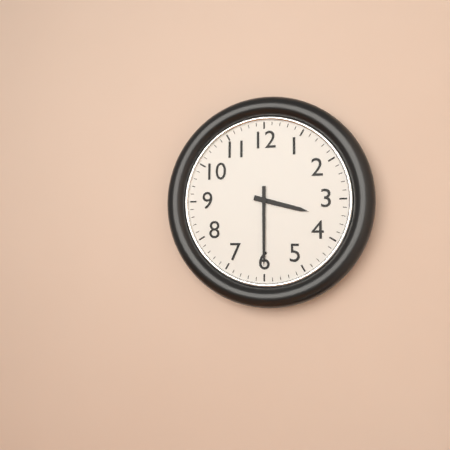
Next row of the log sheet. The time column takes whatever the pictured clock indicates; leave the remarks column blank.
3:30
